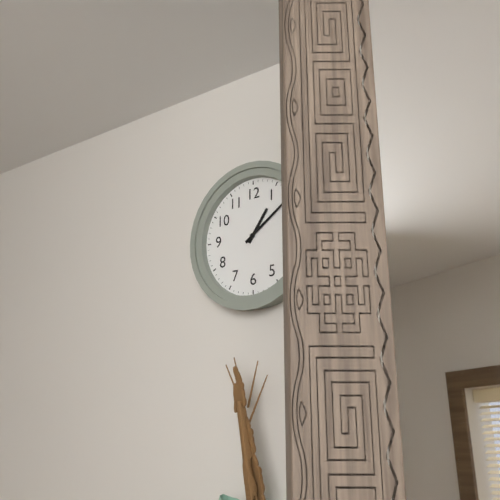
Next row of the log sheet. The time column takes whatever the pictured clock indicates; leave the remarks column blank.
1:09
